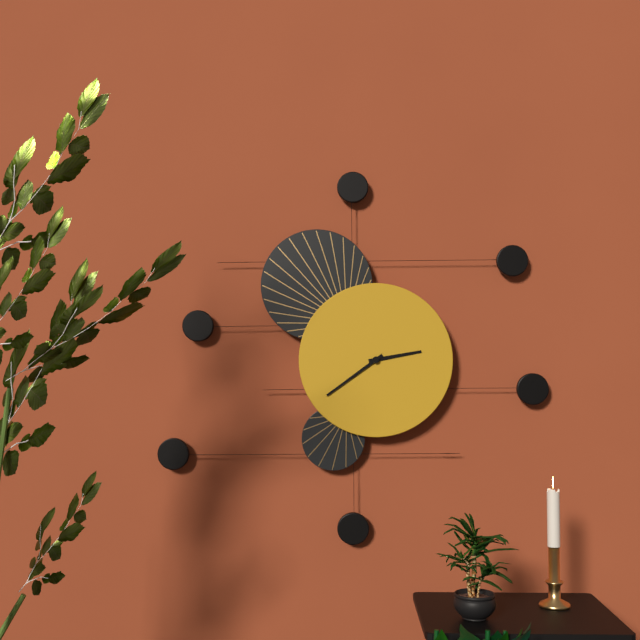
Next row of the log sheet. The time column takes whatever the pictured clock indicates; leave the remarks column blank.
2:39
